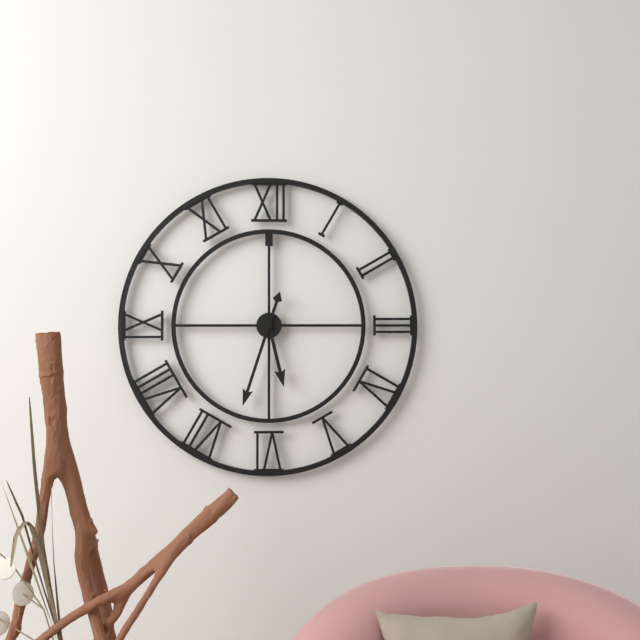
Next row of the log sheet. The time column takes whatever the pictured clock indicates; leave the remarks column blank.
5:33
